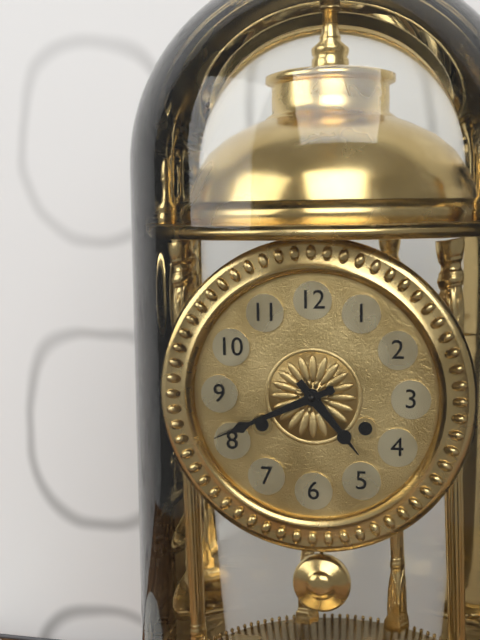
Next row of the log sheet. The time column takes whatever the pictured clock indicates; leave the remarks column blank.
4:41
